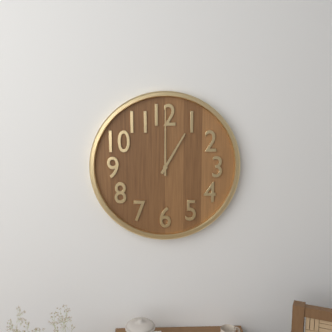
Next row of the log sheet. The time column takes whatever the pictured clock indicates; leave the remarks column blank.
1:00
